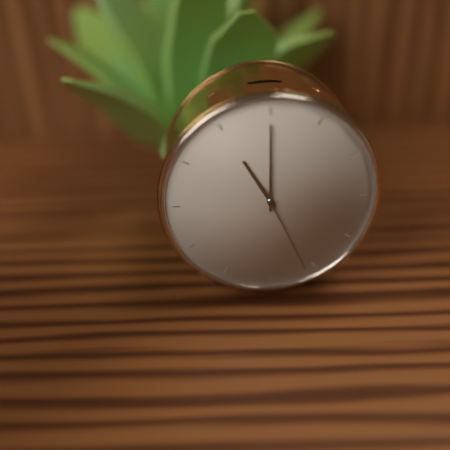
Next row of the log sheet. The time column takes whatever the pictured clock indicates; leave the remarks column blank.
11:00:26
